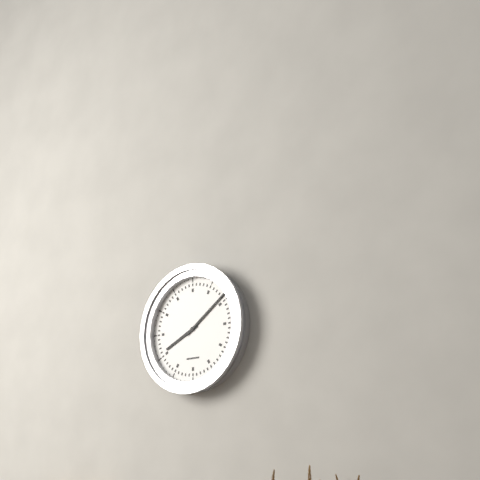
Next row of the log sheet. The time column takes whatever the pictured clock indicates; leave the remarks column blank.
8:09
